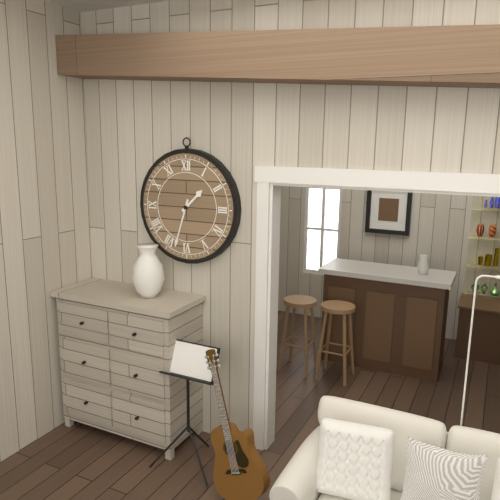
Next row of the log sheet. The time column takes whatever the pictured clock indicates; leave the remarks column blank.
1:33
